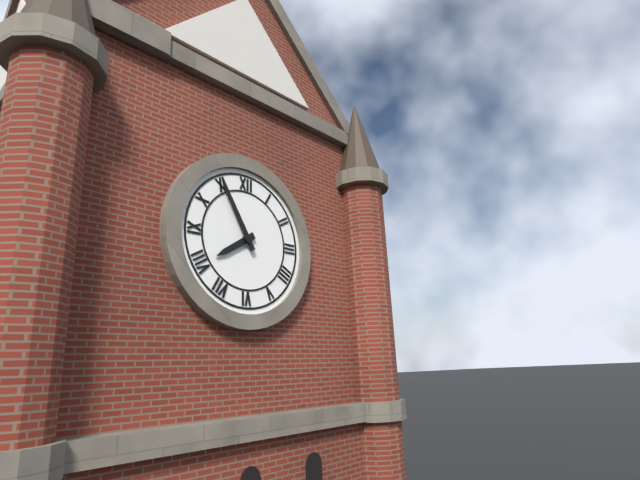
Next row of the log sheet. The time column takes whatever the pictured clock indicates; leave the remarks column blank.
7:55
